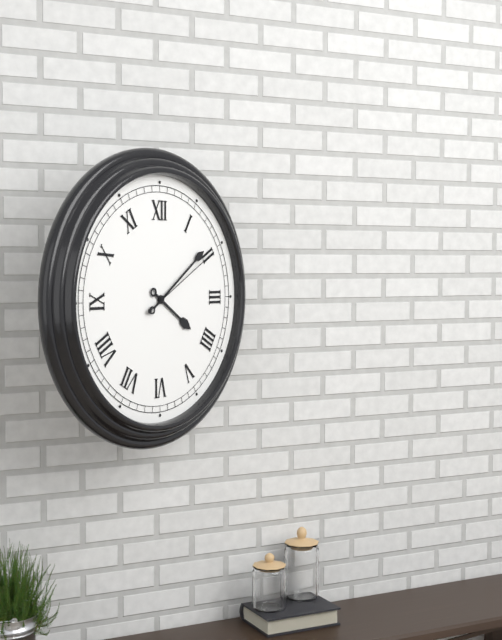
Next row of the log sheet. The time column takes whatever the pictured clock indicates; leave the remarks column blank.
4:09:10
